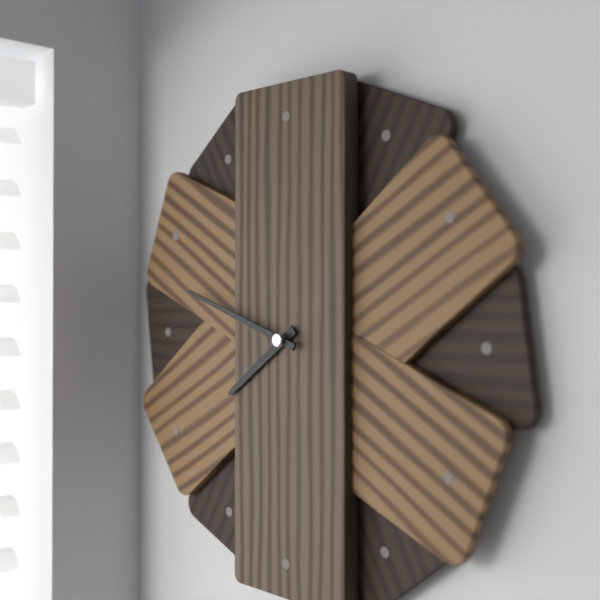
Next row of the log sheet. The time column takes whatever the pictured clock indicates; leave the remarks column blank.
7:48
